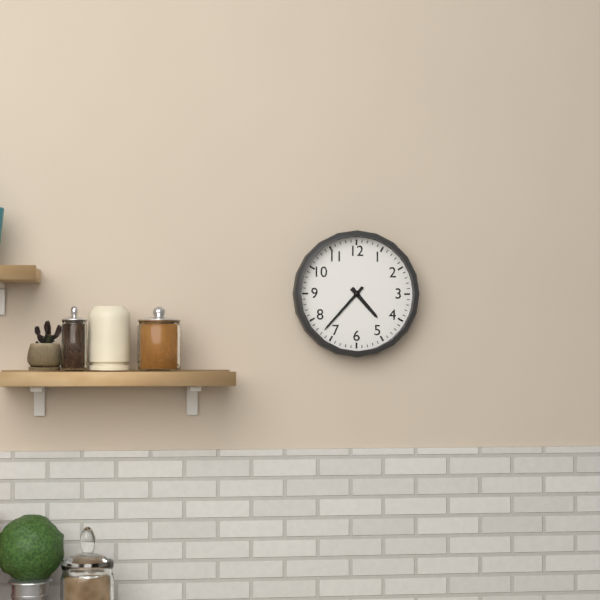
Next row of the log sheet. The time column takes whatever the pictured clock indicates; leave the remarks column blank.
4:37
